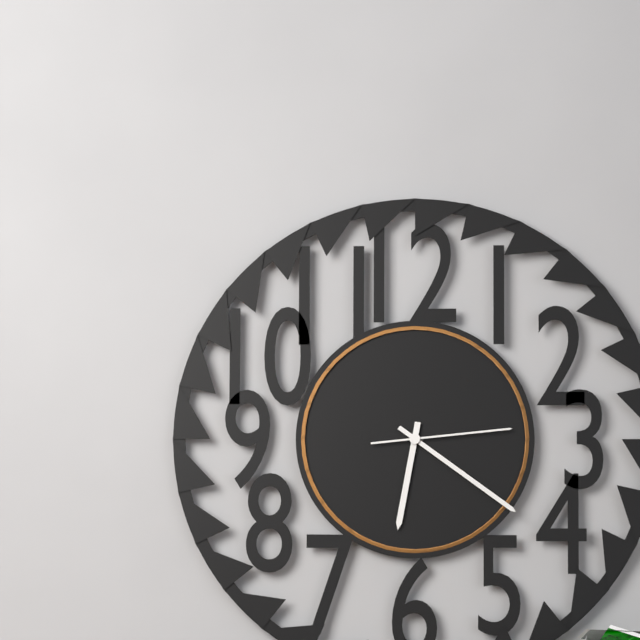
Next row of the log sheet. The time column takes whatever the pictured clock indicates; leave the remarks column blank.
6:21:14
